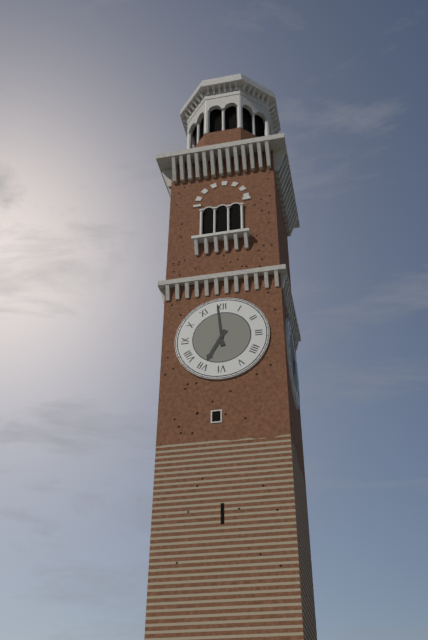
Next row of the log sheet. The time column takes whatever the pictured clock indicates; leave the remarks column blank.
6:59
